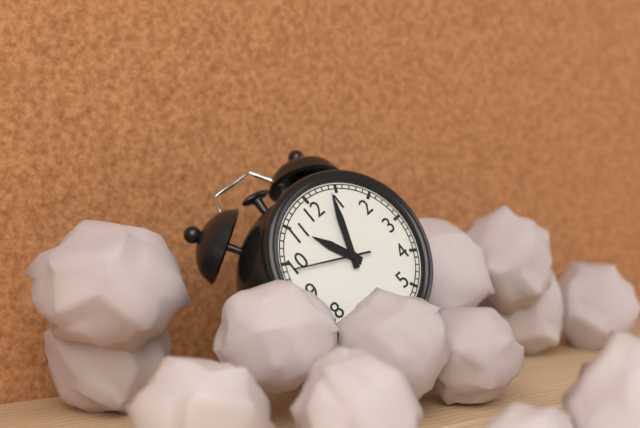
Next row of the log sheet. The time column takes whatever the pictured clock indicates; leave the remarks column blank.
11:04:49
